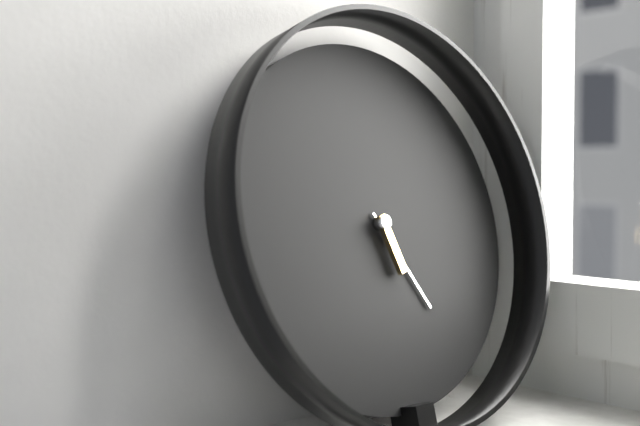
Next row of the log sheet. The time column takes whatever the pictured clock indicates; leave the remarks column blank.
5:25
